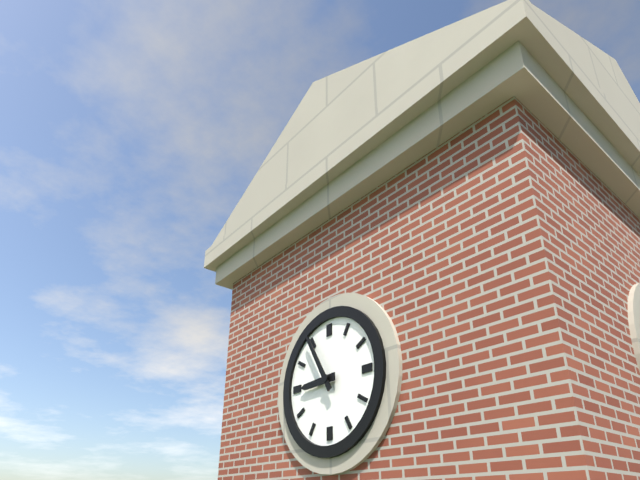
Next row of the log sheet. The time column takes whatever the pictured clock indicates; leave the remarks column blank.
8:55
